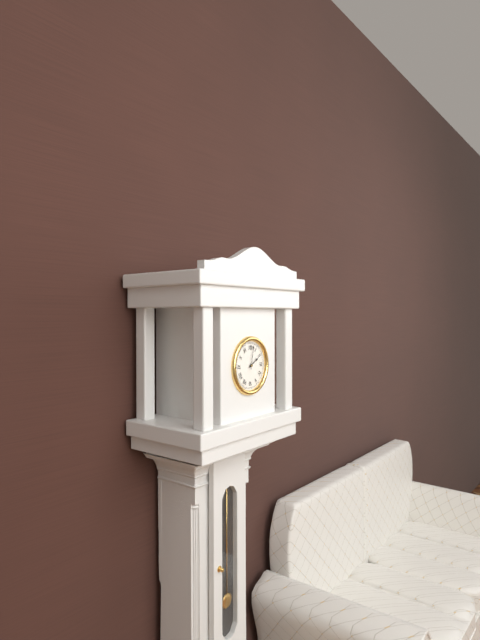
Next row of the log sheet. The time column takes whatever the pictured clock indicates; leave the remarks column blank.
2:02
